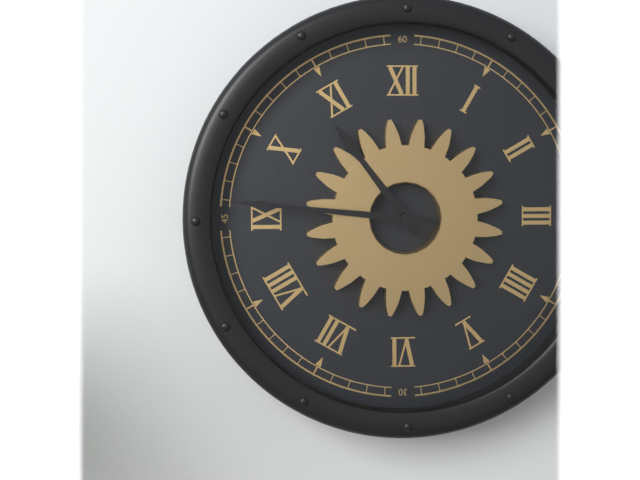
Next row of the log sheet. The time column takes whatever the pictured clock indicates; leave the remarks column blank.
10:46
